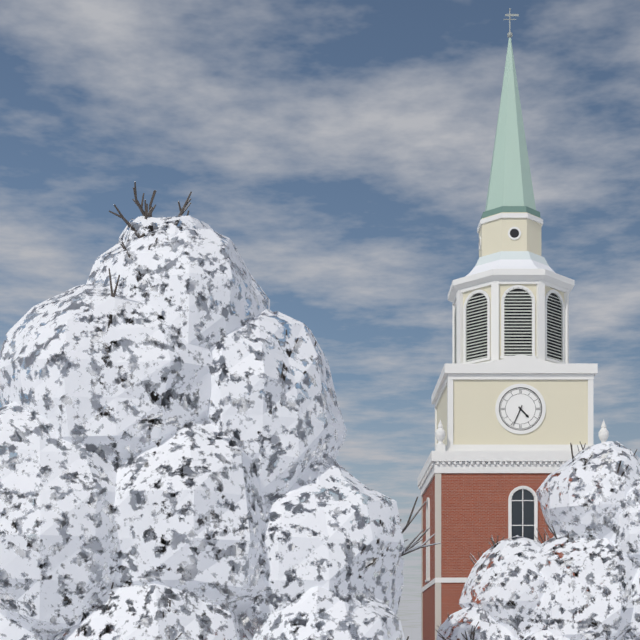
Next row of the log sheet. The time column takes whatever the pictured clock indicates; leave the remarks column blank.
4:34
